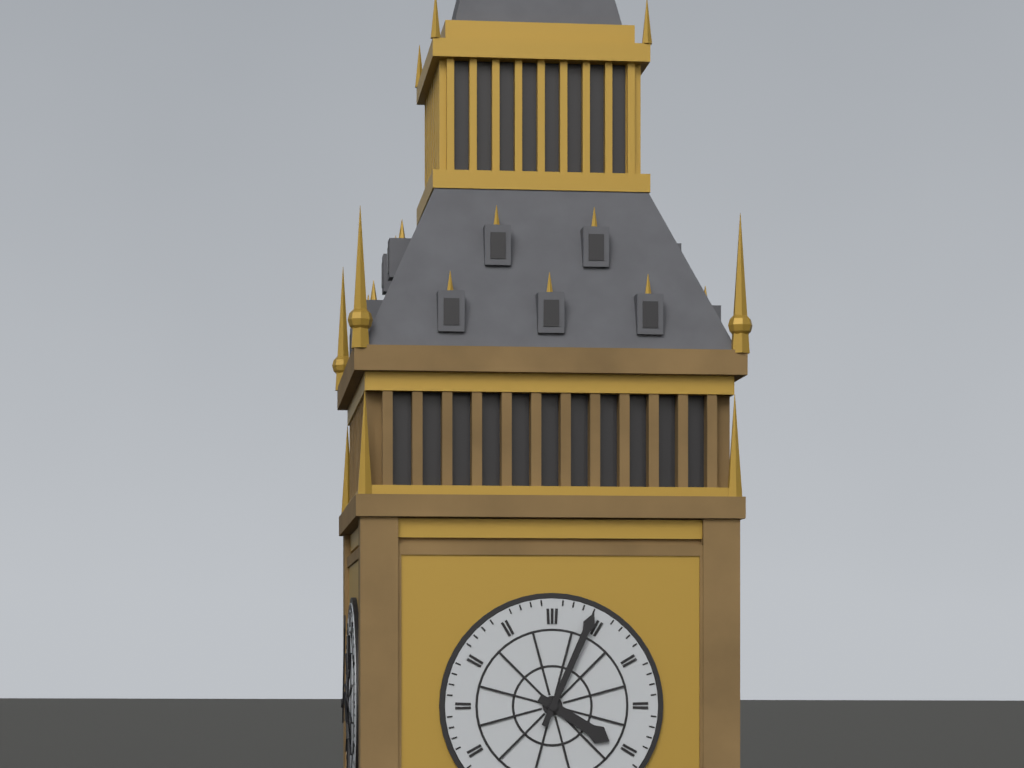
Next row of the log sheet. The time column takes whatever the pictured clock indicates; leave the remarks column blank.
4:04
